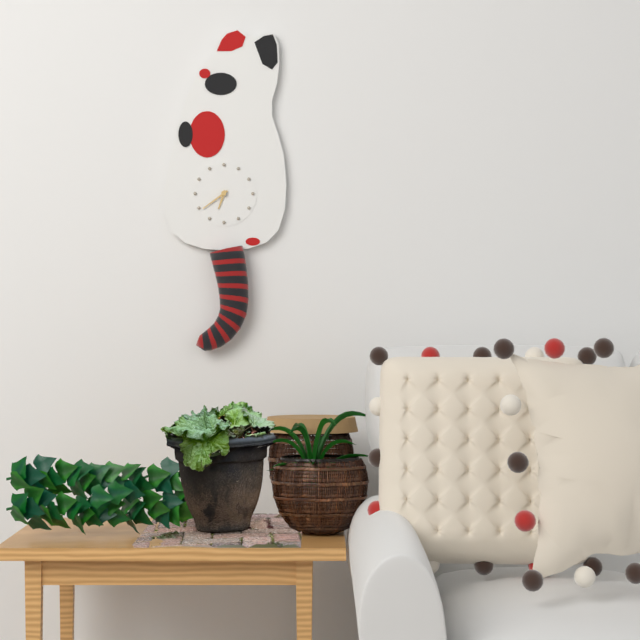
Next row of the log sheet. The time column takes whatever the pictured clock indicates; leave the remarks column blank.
6:39
